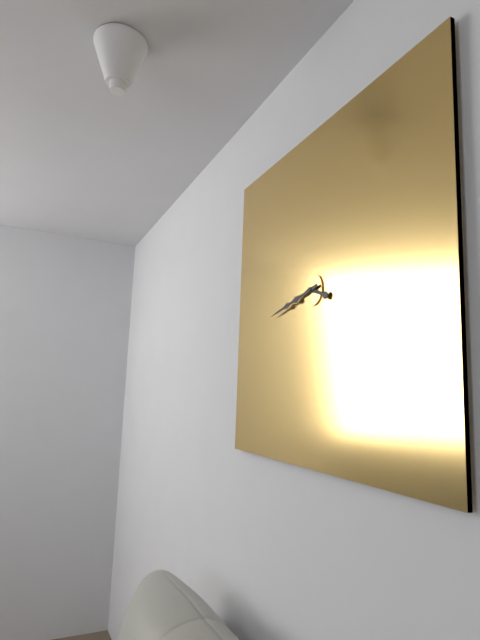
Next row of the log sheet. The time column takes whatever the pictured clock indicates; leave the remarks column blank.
3:43
